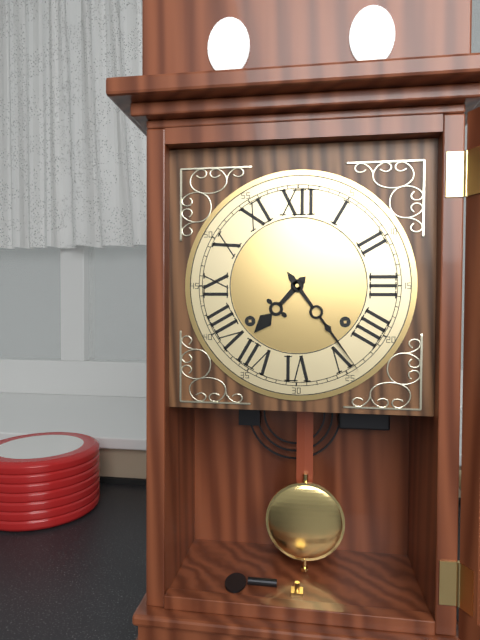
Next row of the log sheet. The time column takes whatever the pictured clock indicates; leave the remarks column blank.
7:24
